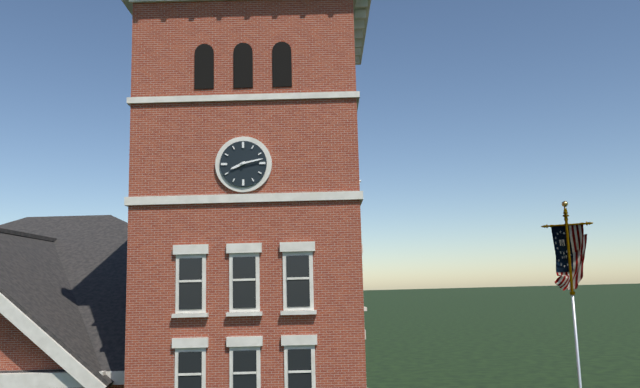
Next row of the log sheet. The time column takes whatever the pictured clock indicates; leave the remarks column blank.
8:13
